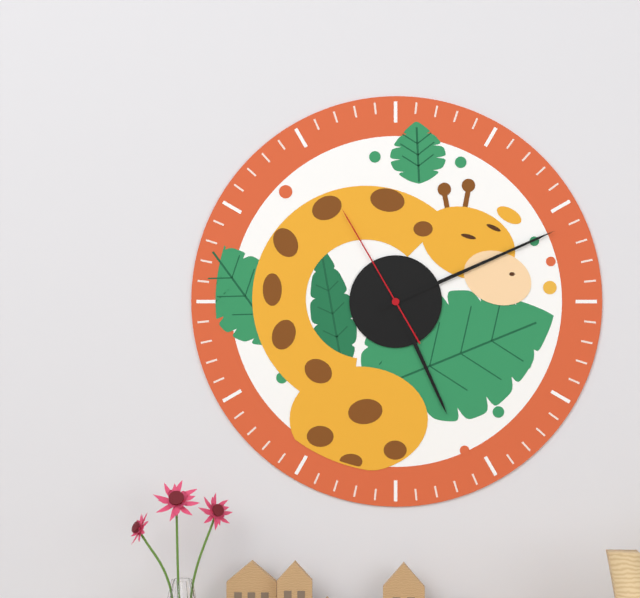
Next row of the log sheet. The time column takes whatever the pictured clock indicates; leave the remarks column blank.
5:11:55
